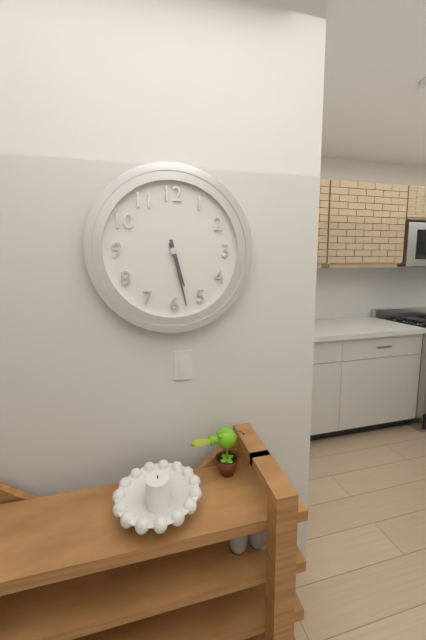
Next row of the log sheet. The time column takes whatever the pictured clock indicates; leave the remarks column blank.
5:28
